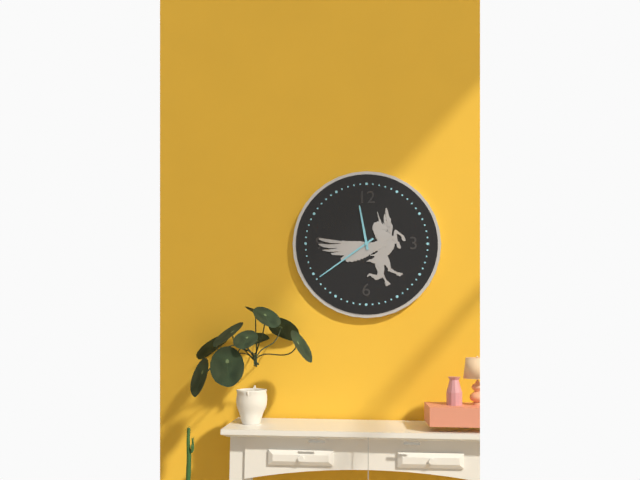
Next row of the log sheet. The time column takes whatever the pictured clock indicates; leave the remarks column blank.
11:39
